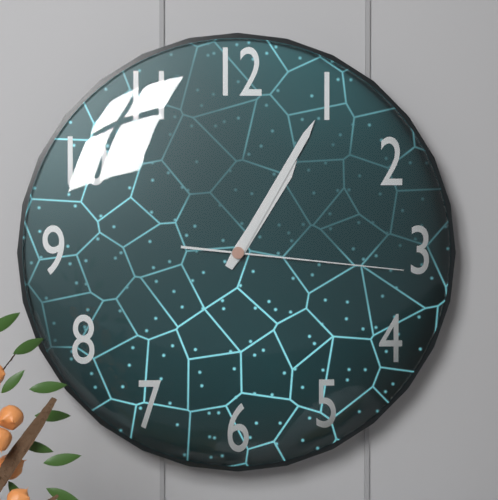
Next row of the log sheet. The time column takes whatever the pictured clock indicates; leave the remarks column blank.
1:05:16
